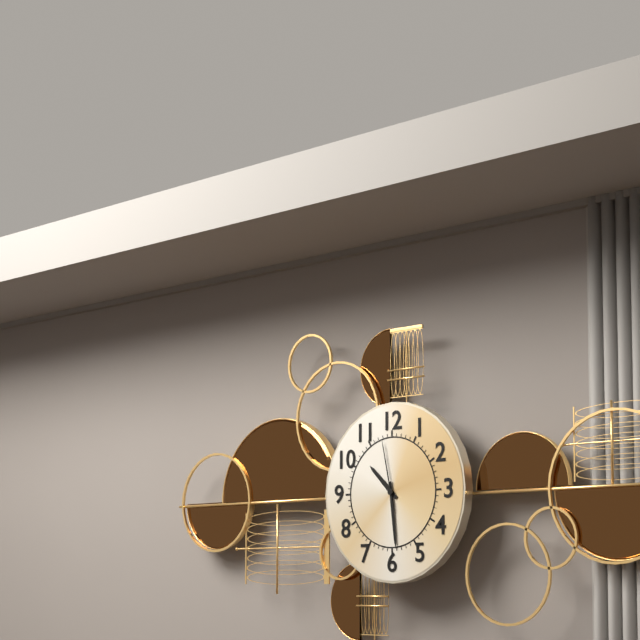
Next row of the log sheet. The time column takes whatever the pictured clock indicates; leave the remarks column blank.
10:29:58
